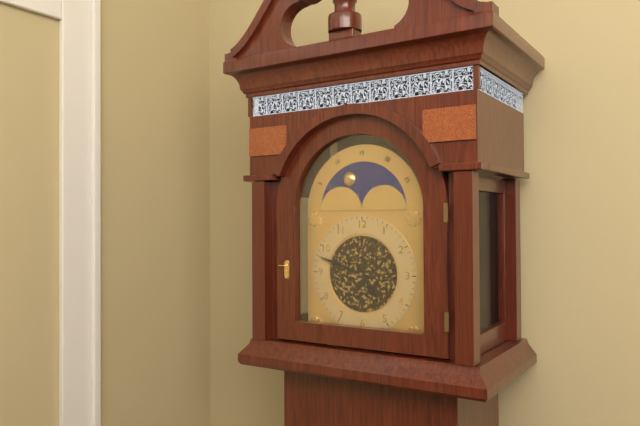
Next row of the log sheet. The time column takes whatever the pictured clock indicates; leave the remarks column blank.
4:48
